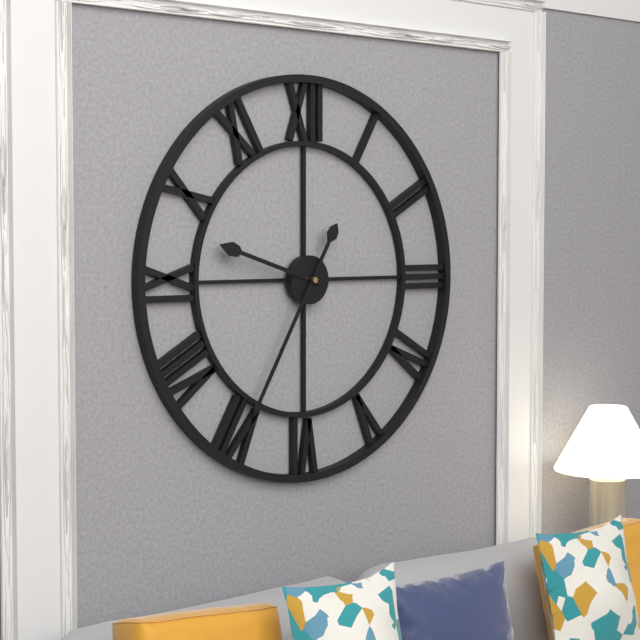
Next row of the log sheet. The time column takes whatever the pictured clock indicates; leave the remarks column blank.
9:35
